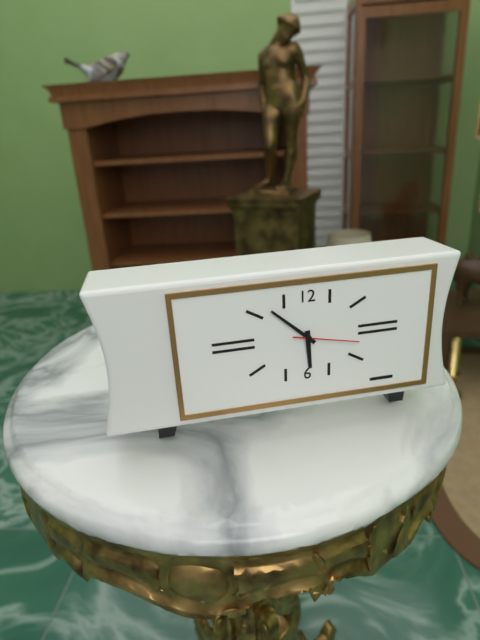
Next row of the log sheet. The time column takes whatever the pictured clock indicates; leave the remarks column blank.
5:52:17
